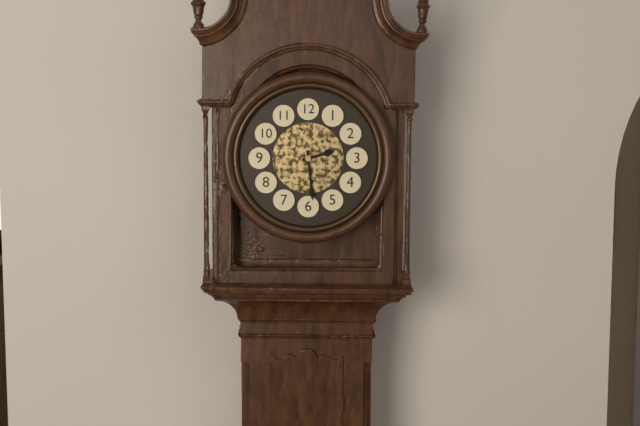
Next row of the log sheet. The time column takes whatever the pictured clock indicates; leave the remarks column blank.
2:29
